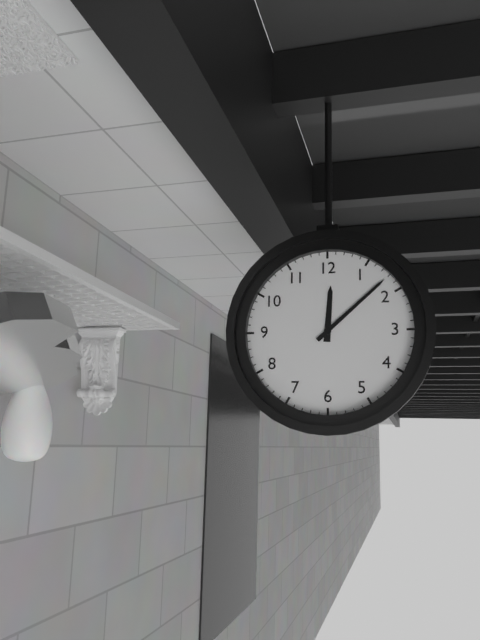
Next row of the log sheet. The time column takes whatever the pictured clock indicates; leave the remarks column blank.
12:08
